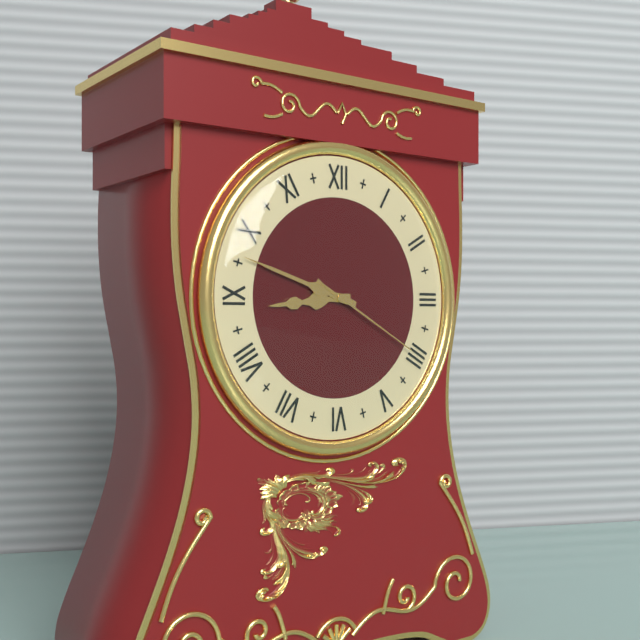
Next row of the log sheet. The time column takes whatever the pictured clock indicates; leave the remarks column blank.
8:48:20
